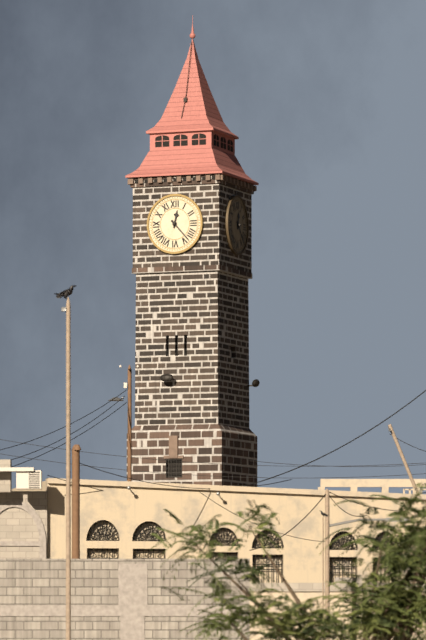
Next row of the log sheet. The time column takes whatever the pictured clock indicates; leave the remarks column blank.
12:23
